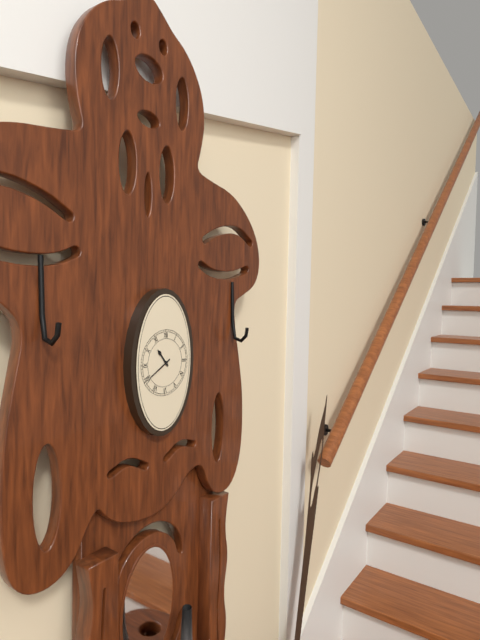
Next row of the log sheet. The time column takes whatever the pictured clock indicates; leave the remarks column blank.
10:40
